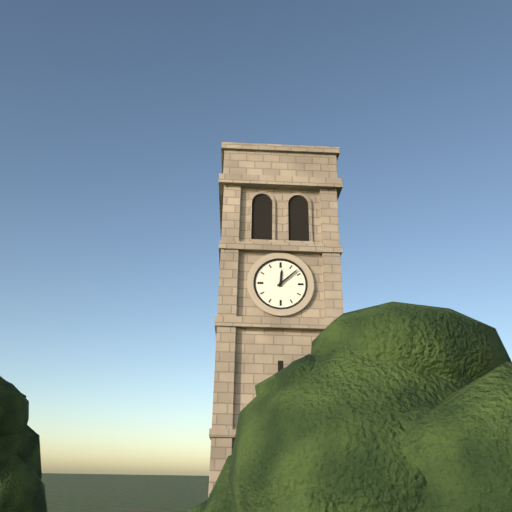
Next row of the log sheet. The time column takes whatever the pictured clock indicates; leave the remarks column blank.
12:08
